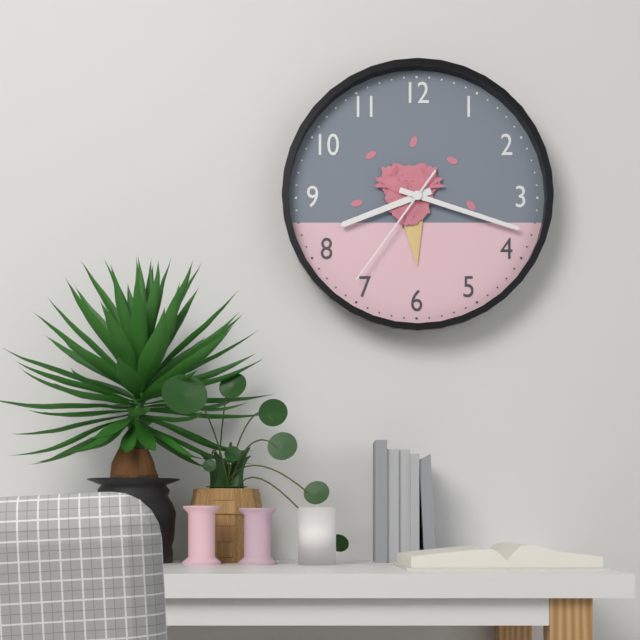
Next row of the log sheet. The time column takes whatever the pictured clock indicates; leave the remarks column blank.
8:18:36
